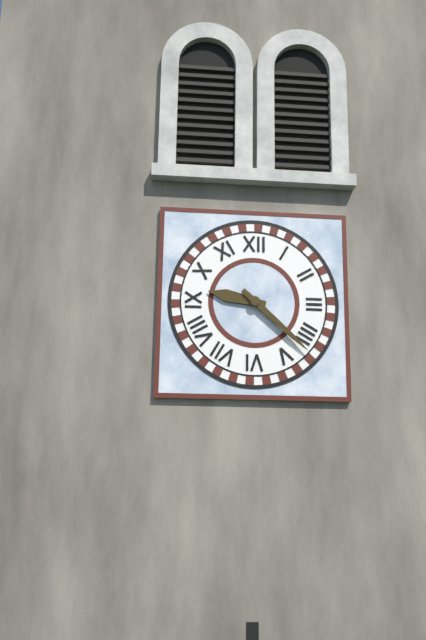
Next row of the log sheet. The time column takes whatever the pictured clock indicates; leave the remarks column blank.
9:22
